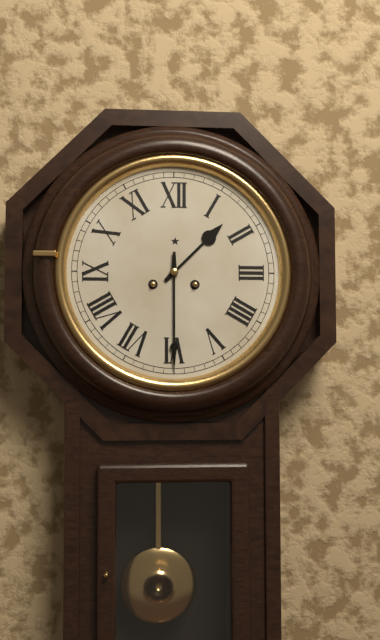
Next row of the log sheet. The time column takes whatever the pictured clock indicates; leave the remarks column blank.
1:30
